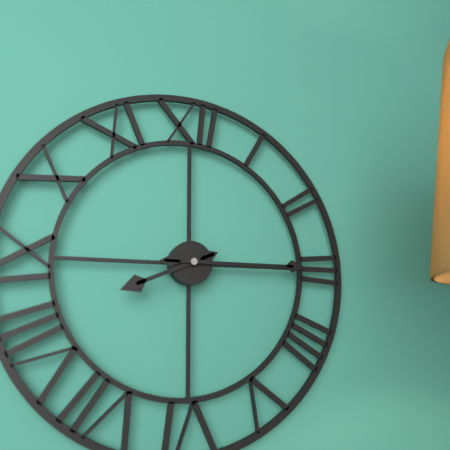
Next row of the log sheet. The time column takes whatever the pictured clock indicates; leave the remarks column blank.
8:15
